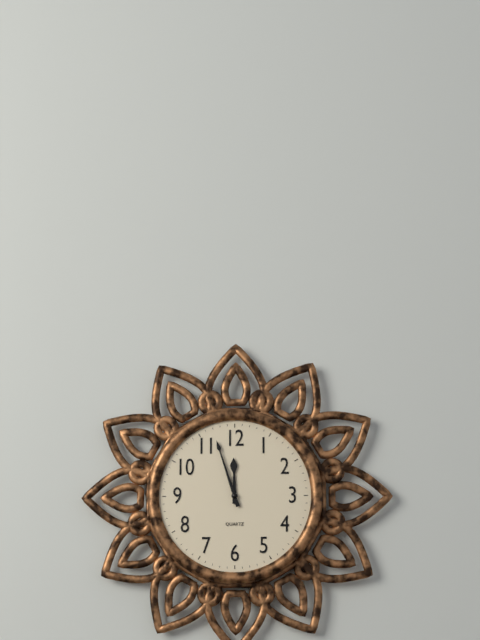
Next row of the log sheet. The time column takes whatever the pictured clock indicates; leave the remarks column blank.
11:57
